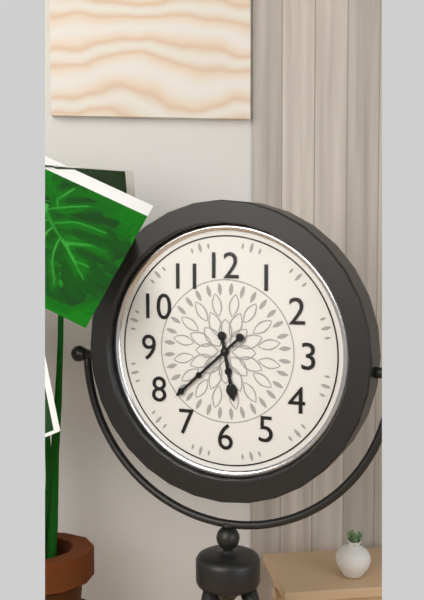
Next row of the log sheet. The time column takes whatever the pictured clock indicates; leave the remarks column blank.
5:38
